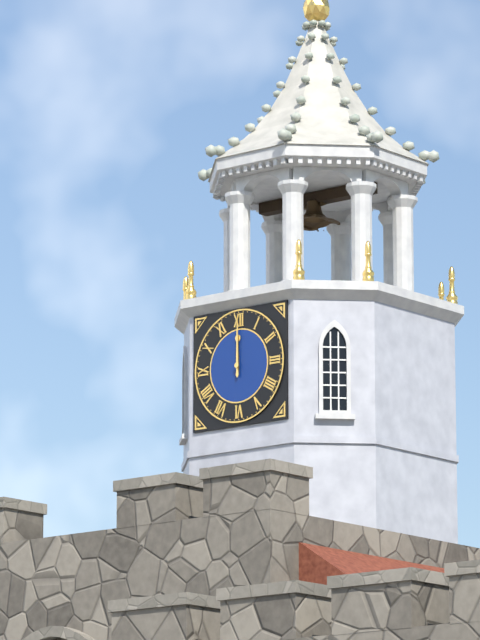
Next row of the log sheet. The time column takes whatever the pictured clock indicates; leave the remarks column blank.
12:00
